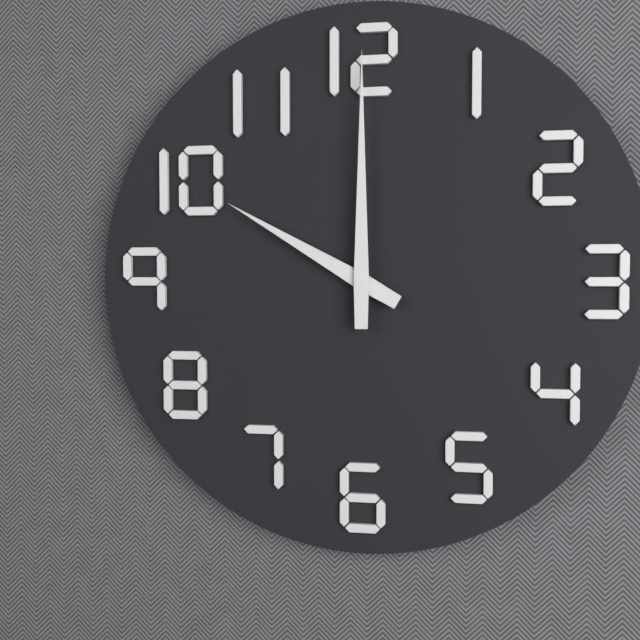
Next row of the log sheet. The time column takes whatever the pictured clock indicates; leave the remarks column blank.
10:00
